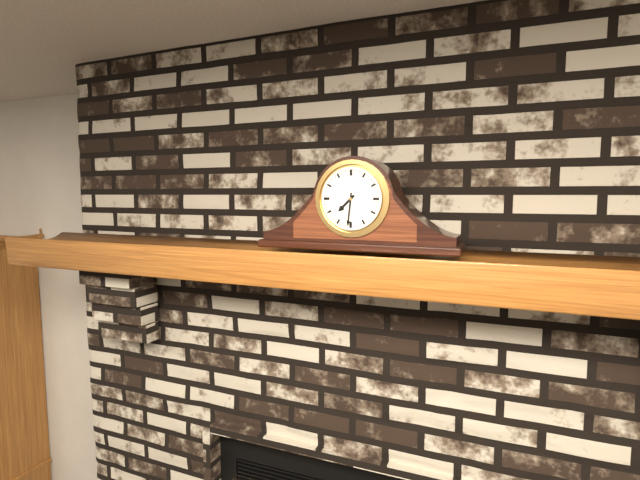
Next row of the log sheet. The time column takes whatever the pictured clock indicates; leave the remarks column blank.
7:31
